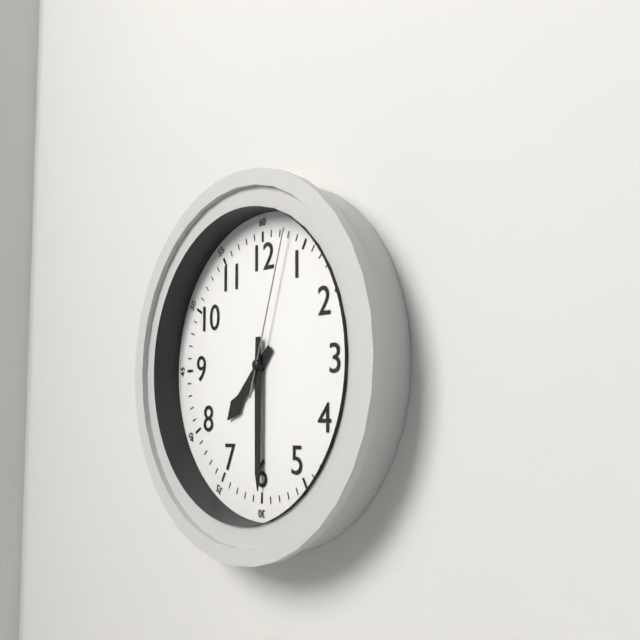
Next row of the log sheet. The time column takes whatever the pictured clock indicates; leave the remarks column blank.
7:30:03
